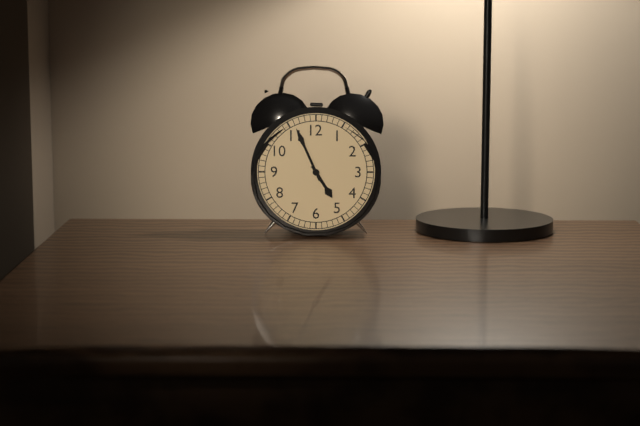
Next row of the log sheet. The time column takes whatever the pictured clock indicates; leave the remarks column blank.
4:56
